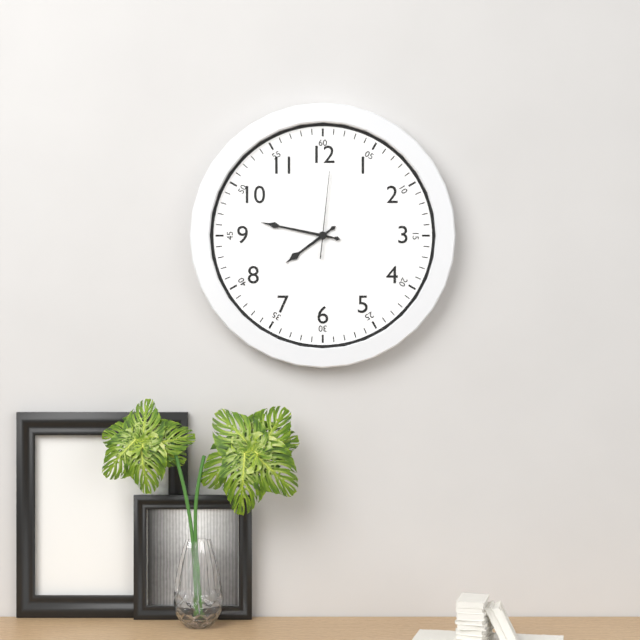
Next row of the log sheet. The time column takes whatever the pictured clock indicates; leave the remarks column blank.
7:47:01
